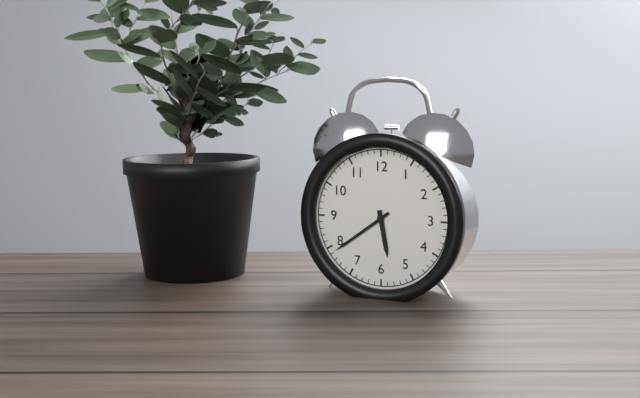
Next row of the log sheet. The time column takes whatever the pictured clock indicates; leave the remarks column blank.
5:39
